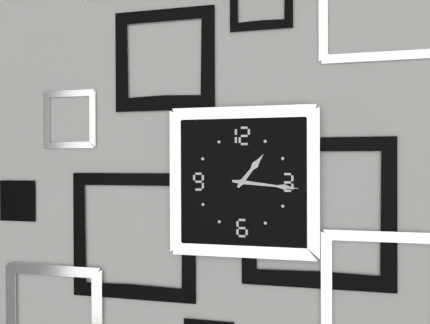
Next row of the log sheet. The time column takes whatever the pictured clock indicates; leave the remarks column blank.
1:16
